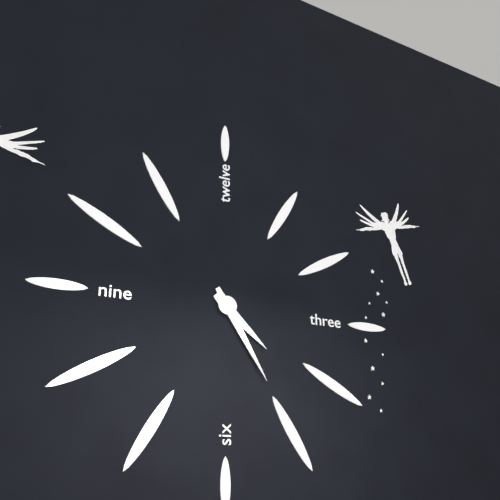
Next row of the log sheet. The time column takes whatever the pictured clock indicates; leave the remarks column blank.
4:25
